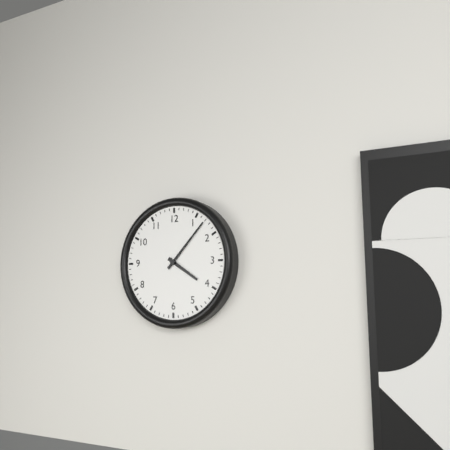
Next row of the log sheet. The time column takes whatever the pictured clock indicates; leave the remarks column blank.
4:07
